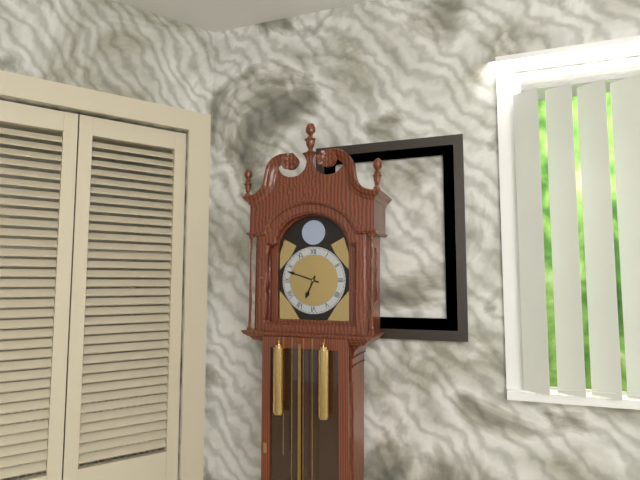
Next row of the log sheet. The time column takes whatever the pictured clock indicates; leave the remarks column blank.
6:48
